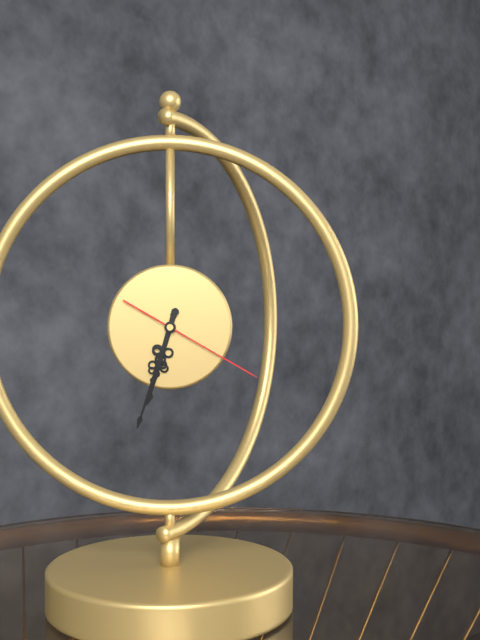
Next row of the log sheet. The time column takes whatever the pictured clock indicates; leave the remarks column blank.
6:33:20
